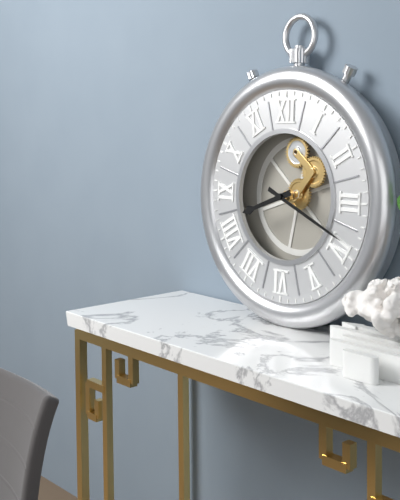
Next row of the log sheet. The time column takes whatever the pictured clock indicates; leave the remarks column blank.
8:19
